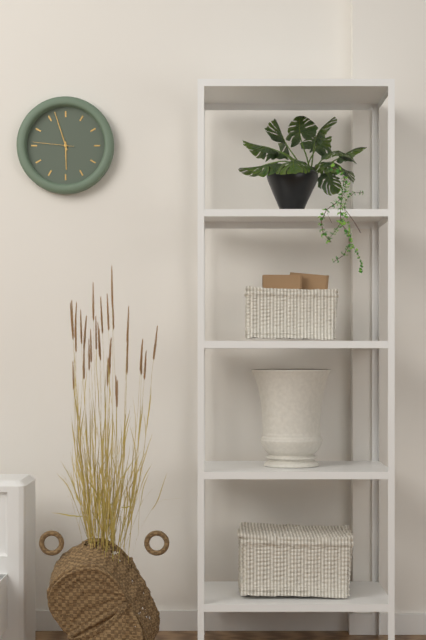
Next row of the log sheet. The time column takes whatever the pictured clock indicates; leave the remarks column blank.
5:57
